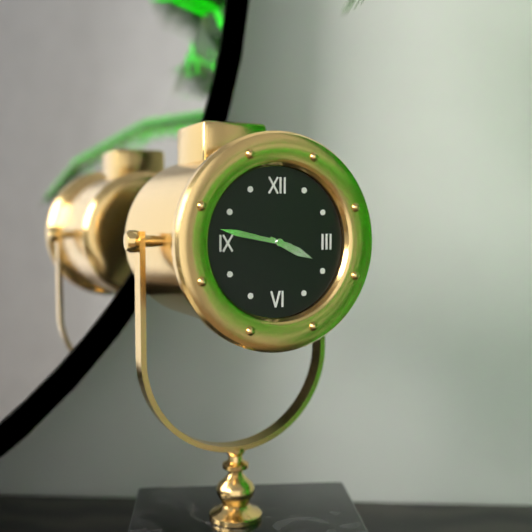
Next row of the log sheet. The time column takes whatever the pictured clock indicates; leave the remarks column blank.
3:47
